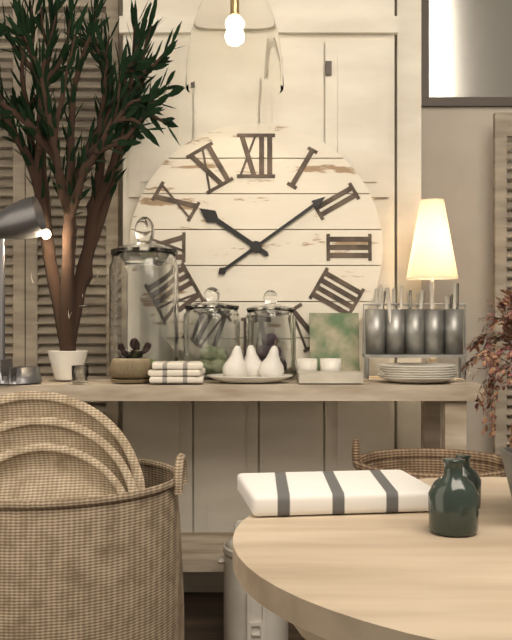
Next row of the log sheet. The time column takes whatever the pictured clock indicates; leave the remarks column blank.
10:09
